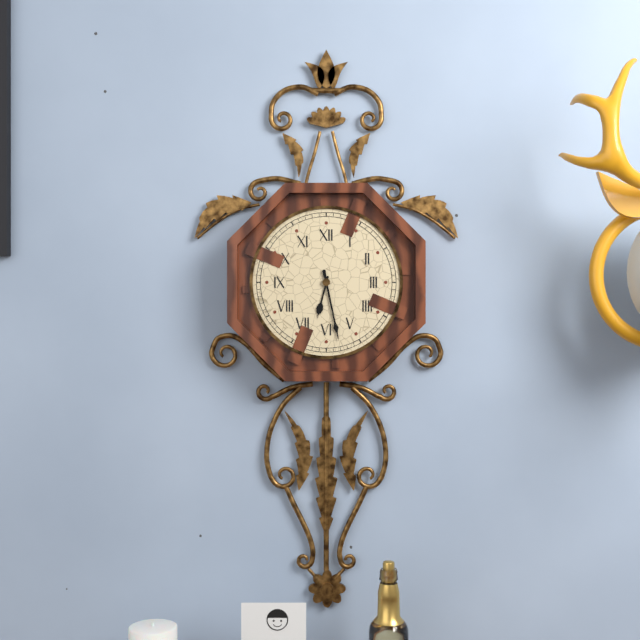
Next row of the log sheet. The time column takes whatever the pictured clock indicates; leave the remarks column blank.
6:28
